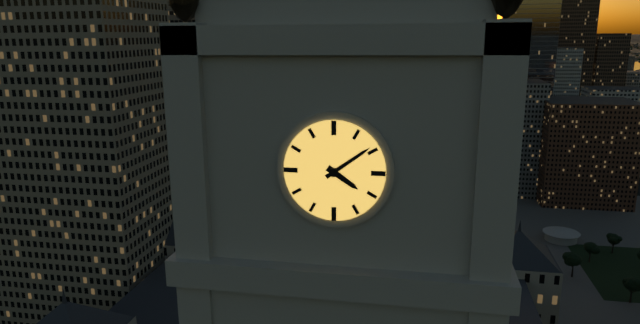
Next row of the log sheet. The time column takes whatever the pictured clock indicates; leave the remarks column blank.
4:09
